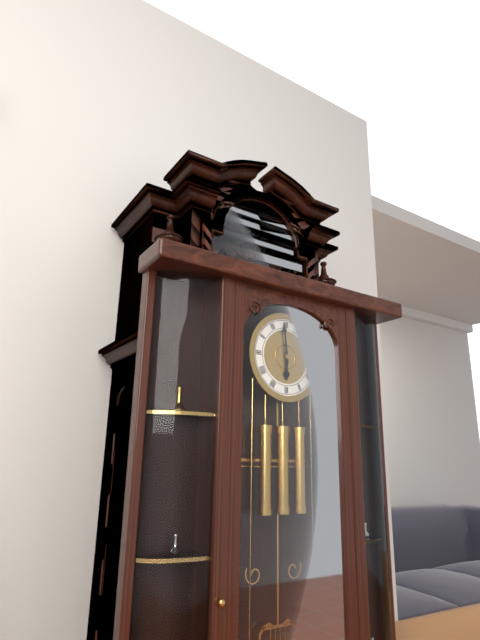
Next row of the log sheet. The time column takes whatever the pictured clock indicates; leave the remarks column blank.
5:59
